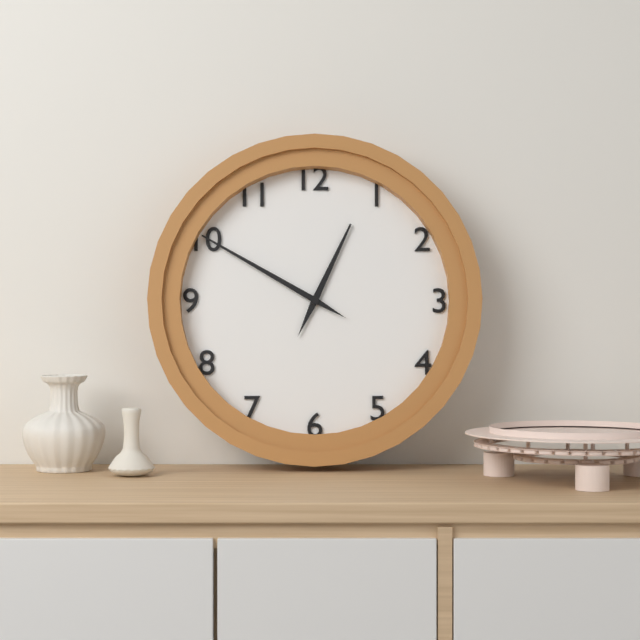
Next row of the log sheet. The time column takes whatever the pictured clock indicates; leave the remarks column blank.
12:50
